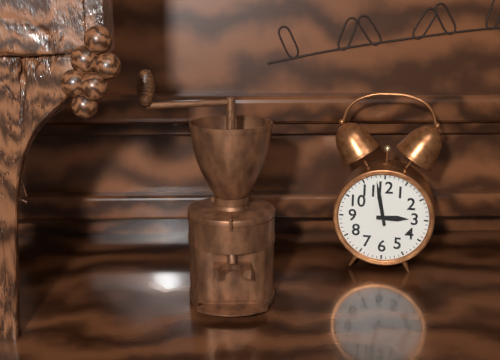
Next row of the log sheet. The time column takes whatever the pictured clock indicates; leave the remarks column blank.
2:58
